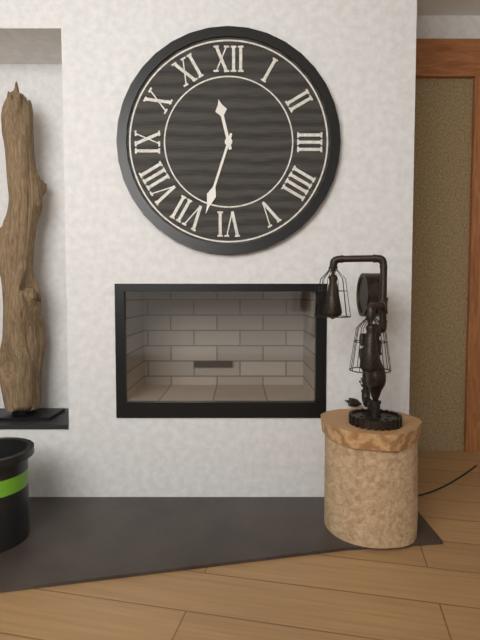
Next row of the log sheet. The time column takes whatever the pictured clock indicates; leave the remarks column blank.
11:33
